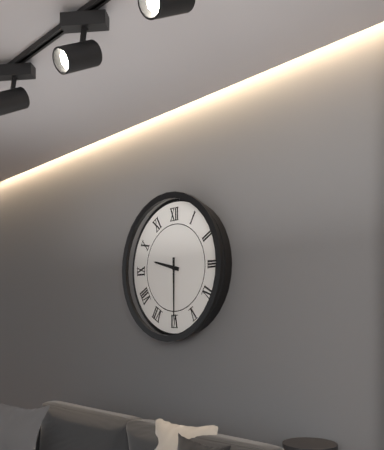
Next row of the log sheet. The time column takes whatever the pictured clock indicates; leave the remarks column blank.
9:30
